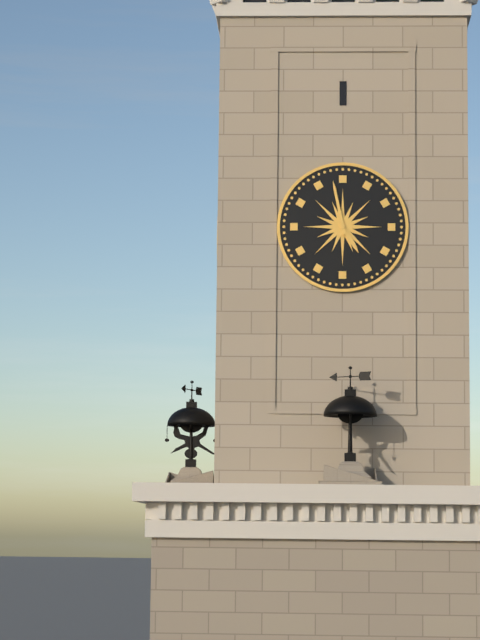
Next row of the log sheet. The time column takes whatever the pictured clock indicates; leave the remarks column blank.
4:58
